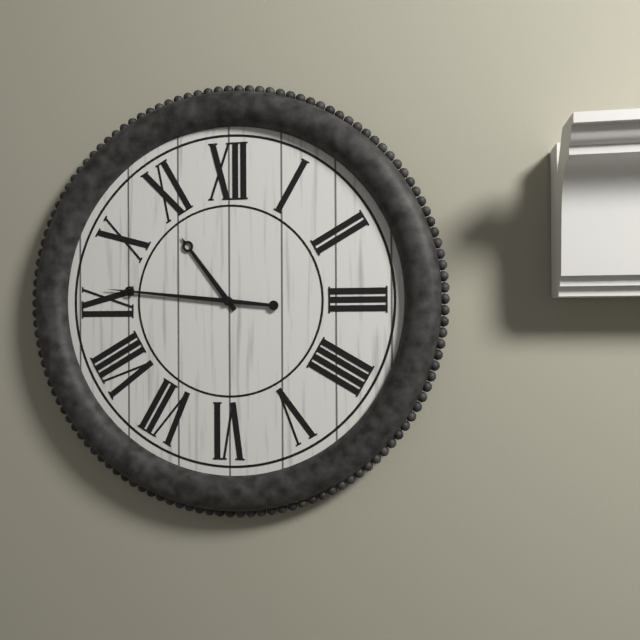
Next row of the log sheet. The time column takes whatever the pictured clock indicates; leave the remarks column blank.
10:46
